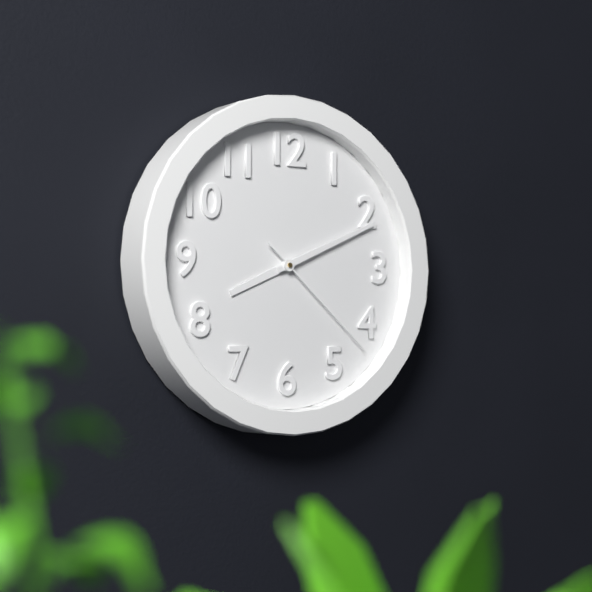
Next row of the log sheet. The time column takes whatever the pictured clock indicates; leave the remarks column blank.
8:11:22
